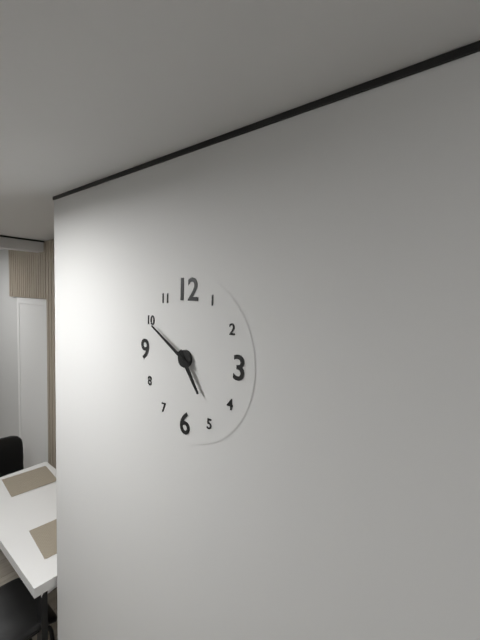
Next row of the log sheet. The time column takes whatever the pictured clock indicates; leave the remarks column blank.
4:50
